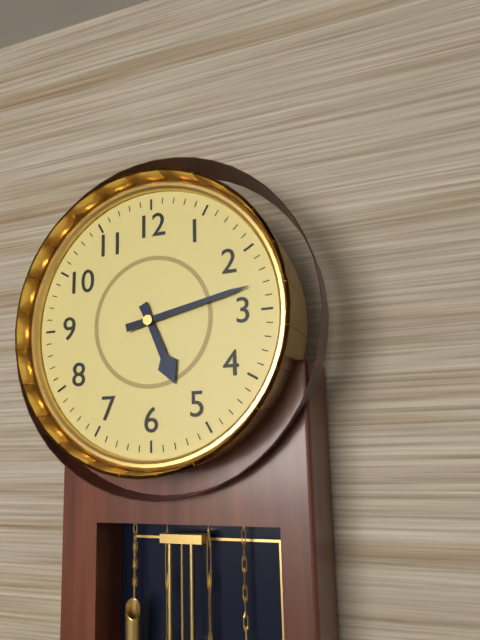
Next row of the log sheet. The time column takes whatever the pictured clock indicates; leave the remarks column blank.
5:13
